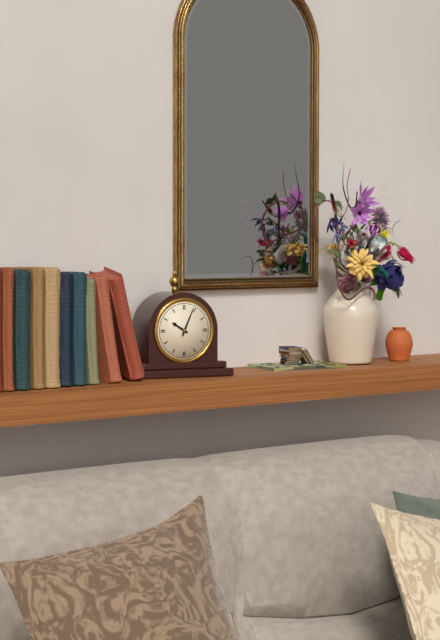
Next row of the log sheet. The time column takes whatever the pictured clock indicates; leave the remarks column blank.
10:04
